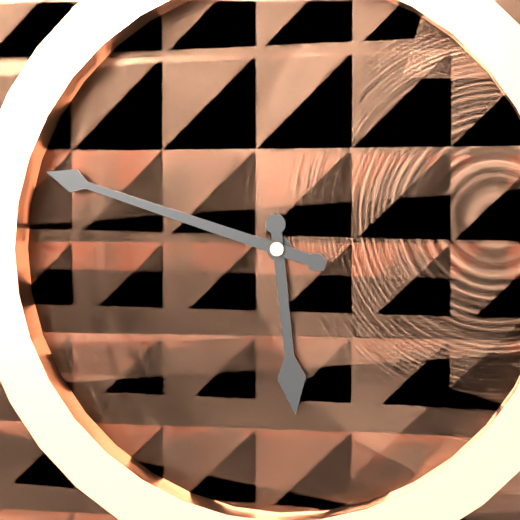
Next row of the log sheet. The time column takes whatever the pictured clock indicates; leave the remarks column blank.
5:48
